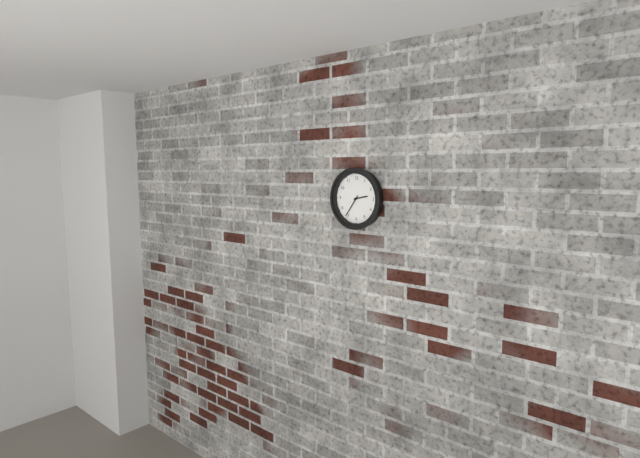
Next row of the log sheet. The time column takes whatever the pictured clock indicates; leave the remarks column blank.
2:36
